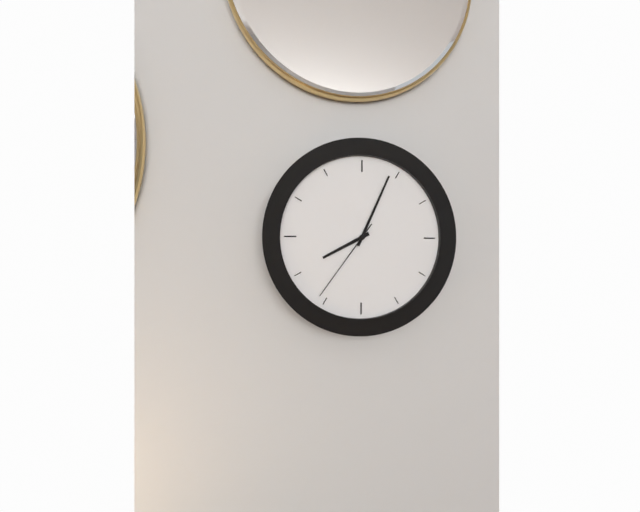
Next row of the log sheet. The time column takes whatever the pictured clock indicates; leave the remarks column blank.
8:04:36
